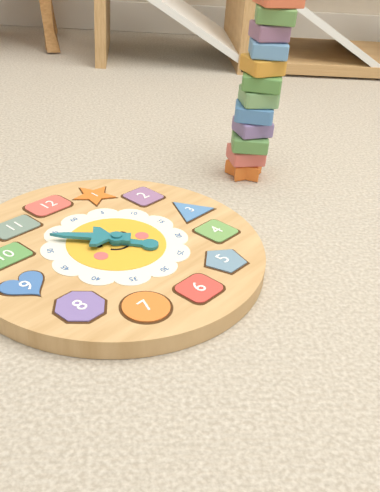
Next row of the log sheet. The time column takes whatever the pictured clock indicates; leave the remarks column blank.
4:53
